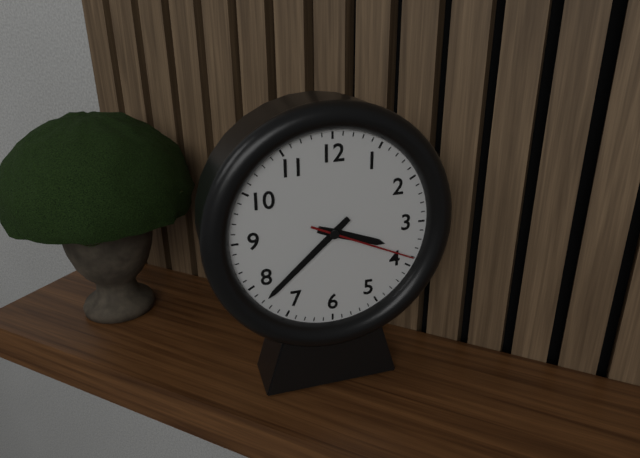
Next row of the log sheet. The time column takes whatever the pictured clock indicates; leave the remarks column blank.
3:38:19
